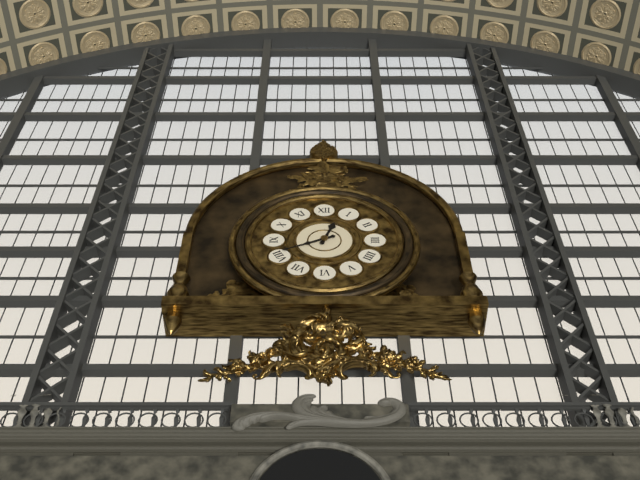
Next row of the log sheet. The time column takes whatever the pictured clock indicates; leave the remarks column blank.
12:41
